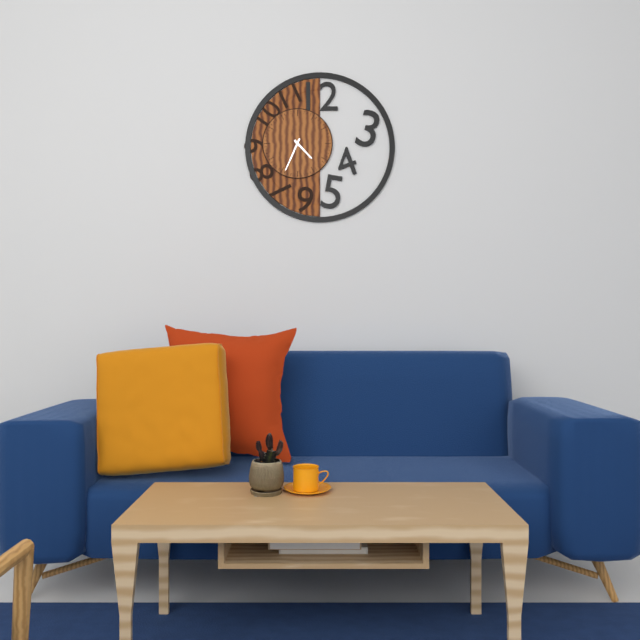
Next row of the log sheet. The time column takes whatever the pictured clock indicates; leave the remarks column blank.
4:34
